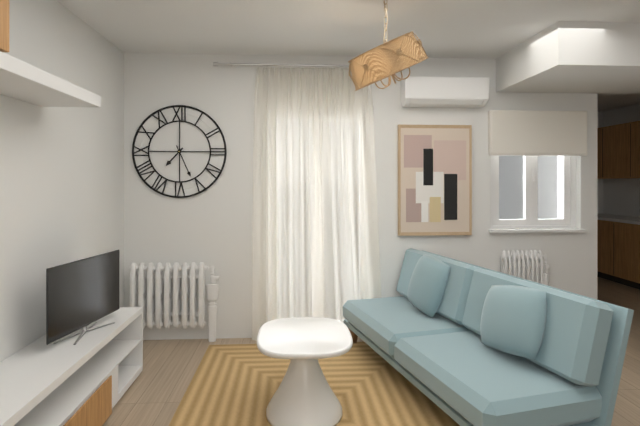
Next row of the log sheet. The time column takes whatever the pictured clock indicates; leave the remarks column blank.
7:26
